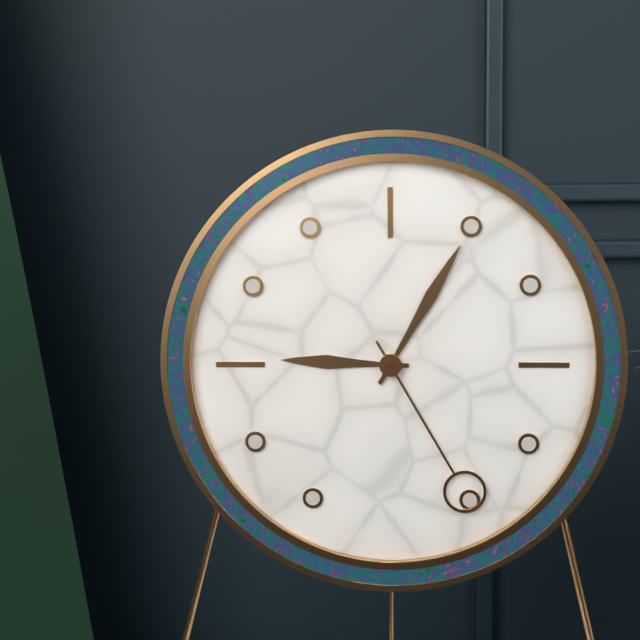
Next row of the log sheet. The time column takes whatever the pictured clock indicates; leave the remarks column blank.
9:05:25
